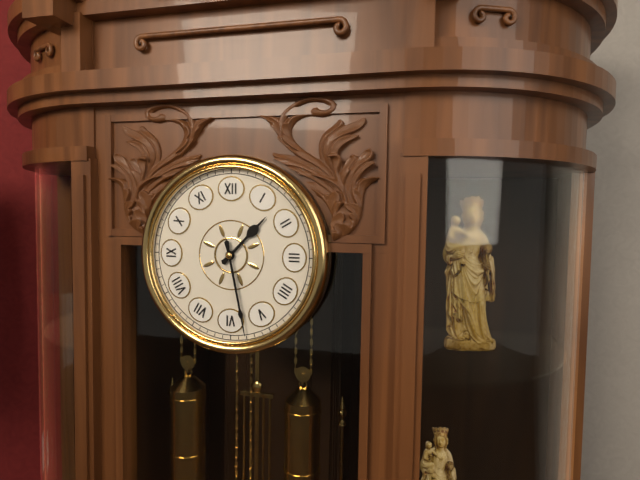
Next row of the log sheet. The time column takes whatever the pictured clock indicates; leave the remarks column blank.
1:28
